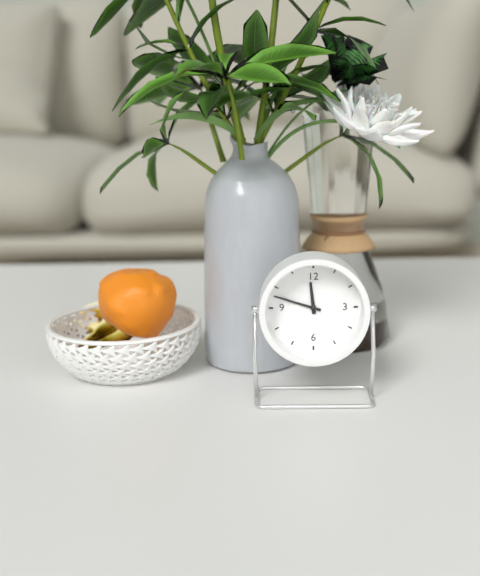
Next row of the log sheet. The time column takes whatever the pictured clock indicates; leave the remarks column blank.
11:48
